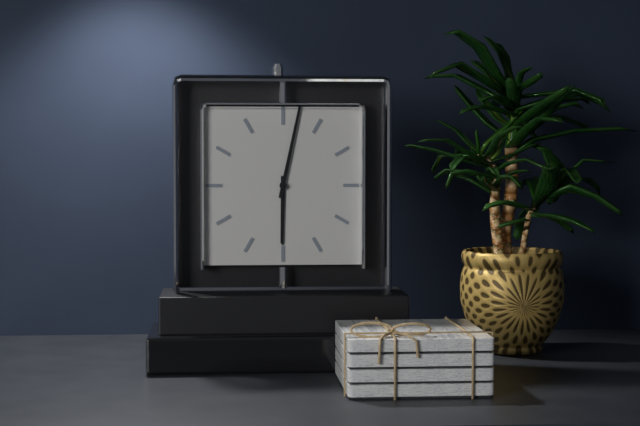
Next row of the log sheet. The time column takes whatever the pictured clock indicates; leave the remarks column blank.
6:02
